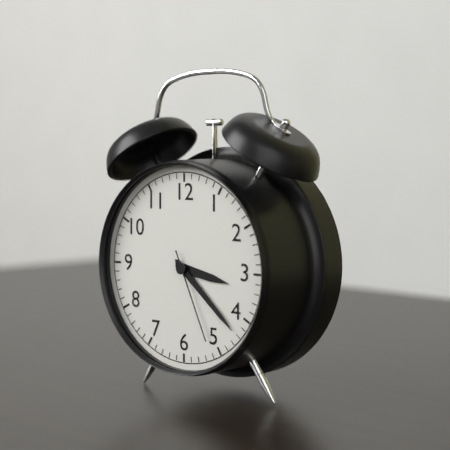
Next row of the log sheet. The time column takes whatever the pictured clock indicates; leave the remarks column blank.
3:22:26
